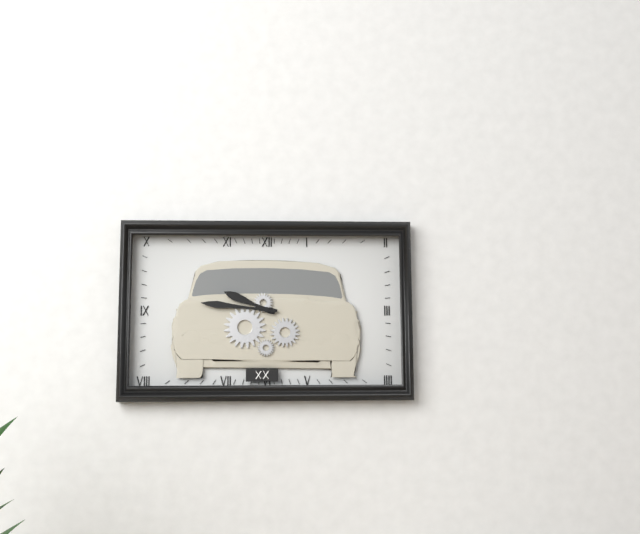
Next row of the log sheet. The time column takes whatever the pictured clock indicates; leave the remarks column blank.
9:46
